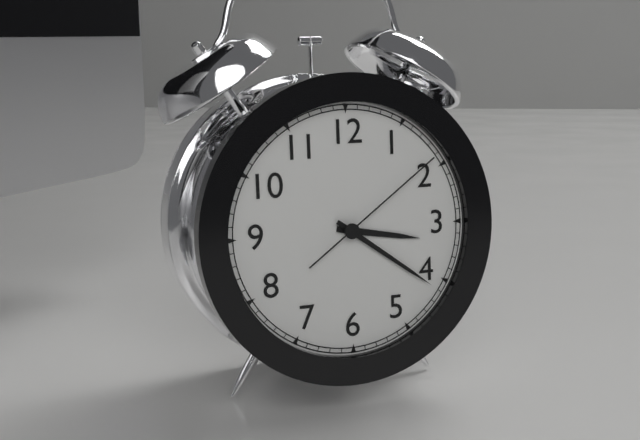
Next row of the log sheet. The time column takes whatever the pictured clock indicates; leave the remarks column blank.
3:21:09
